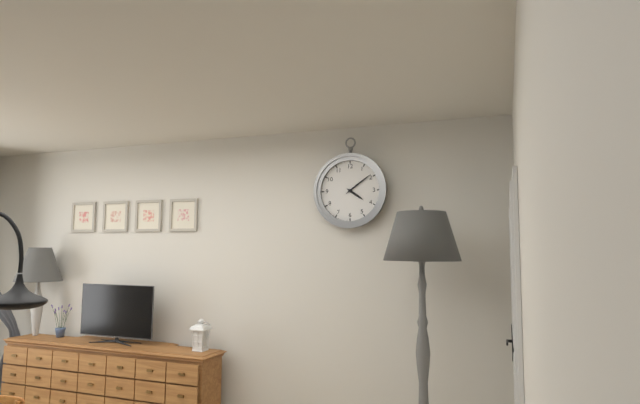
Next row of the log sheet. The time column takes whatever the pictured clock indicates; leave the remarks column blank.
4:09
